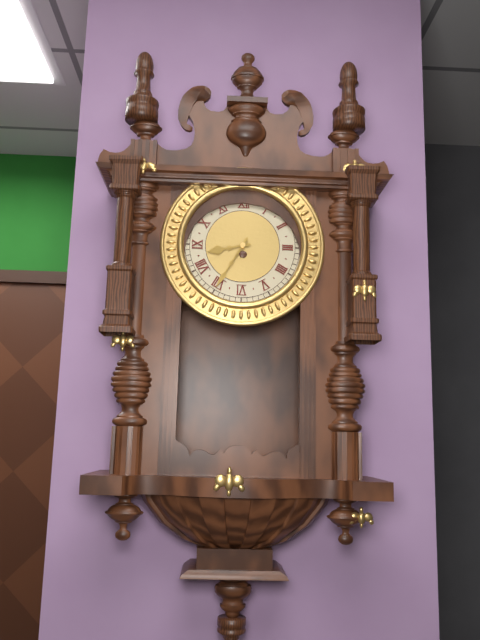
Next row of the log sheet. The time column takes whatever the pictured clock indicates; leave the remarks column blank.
8:35
